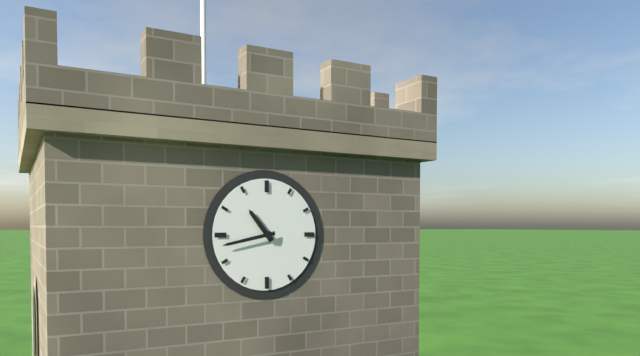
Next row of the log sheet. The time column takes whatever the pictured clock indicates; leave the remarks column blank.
10:43
